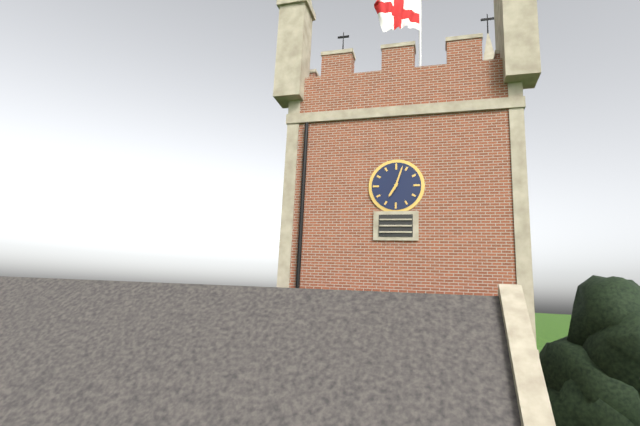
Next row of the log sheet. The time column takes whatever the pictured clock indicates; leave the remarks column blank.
7:03
